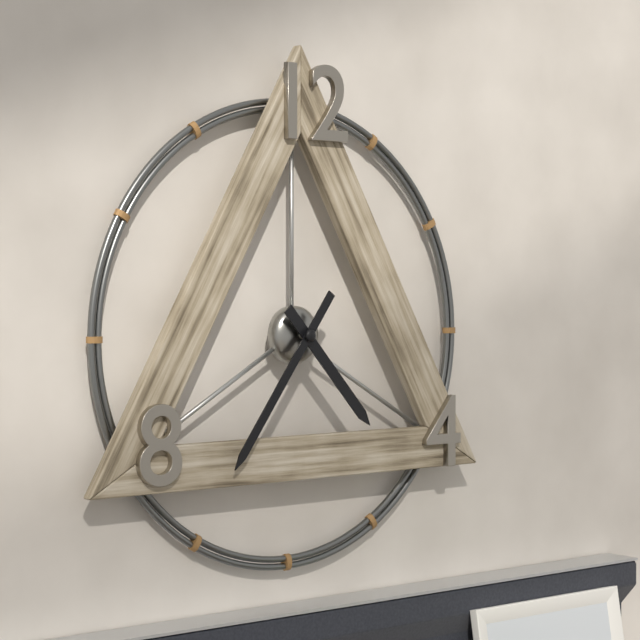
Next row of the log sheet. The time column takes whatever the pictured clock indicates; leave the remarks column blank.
4:36
